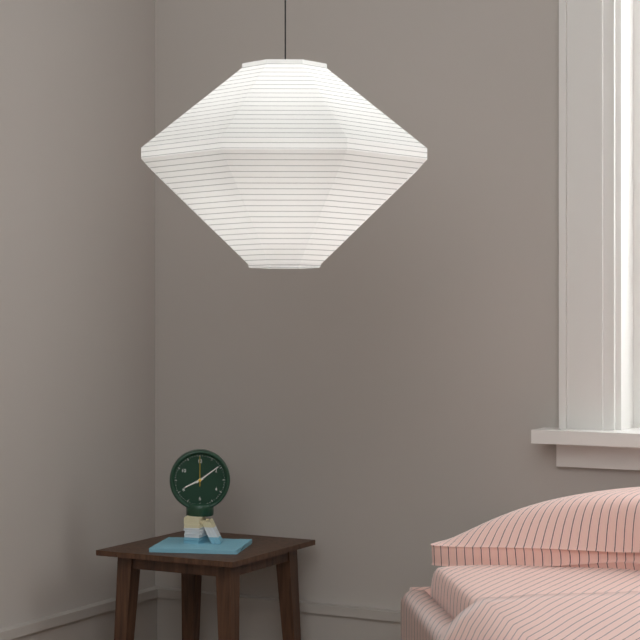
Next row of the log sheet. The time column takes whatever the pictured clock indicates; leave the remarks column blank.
8:09
